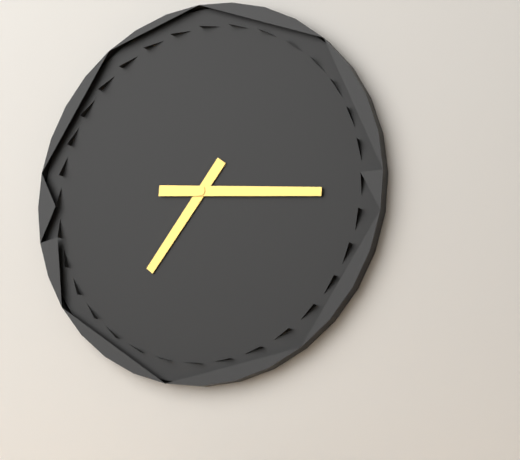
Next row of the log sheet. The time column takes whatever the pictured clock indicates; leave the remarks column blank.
7:16
